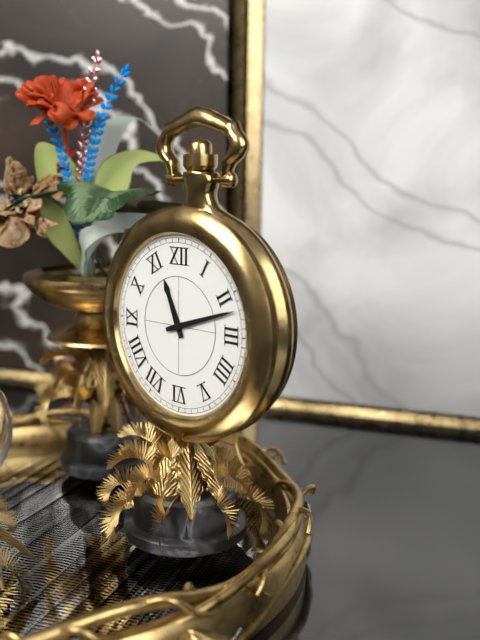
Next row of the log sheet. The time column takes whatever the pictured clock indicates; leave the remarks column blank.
11:12
